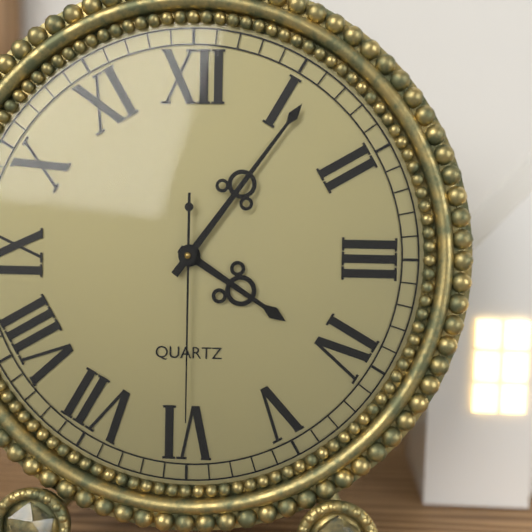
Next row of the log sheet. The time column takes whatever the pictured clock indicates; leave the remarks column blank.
4:06:30
